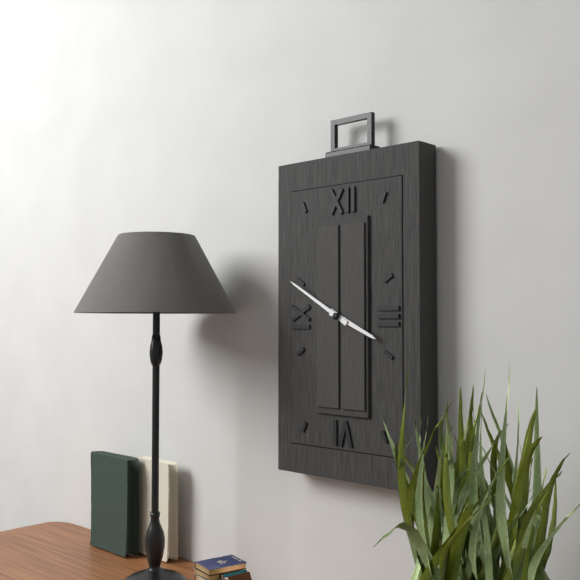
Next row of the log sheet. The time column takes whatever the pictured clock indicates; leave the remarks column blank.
3:50
